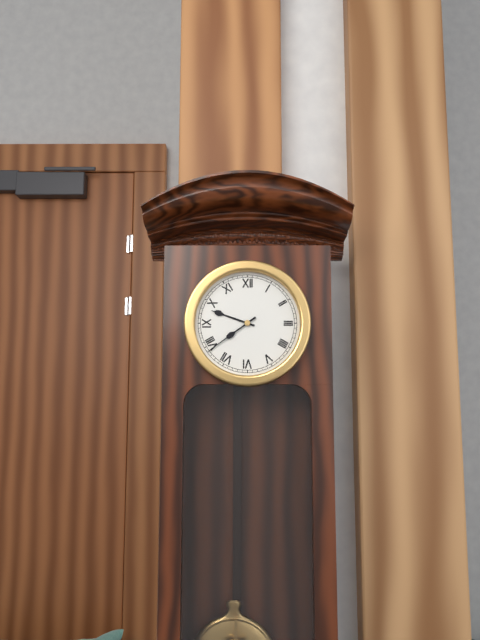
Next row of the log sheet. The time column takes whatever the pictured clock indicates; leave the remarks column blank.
9:39
